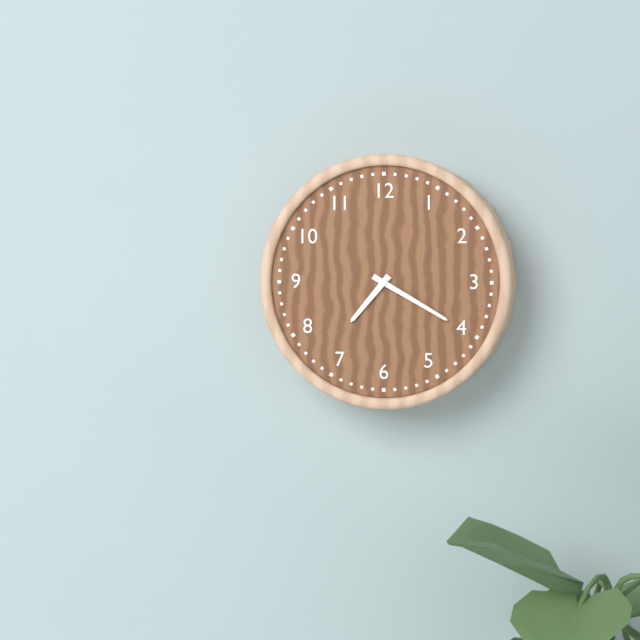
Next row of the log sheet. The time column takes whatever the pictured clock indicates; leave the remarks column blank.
7:20
